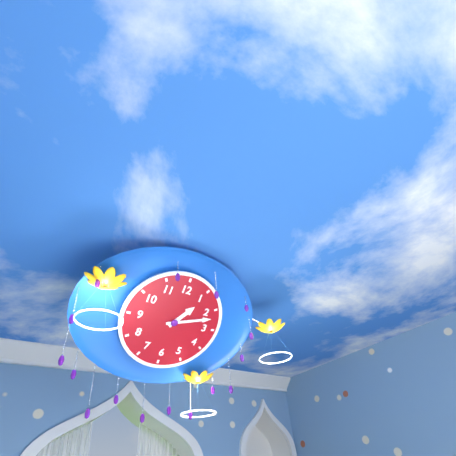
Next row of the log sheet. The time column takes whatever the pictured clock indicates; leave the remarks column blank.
1:12
